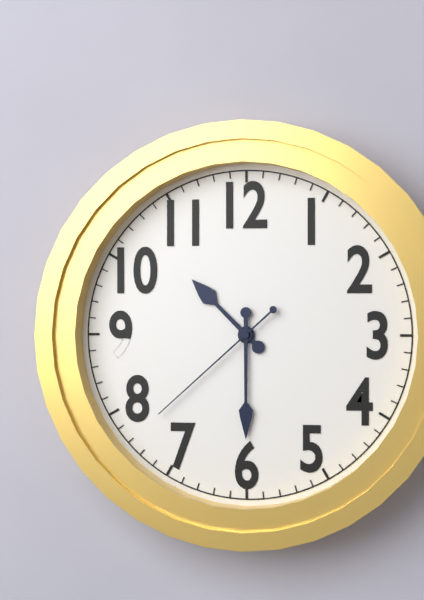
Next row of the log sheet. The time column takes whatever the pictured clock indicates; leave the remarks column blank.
10:30:38
